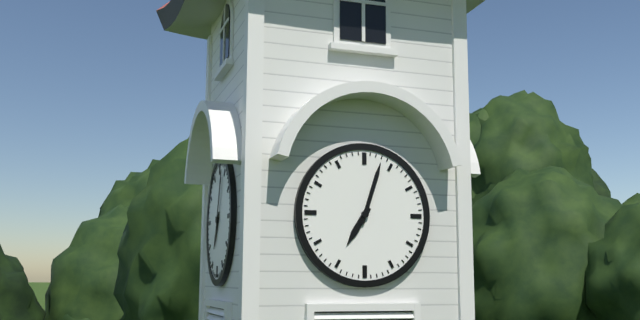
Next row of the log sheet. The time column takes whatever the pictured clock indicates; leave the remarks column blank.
7:03
